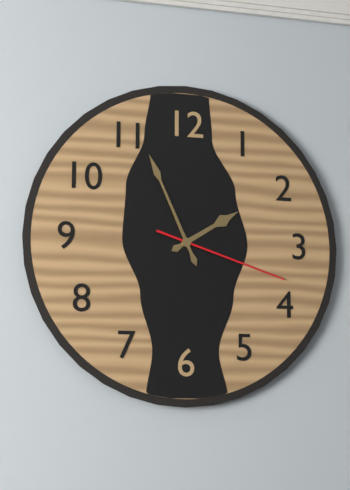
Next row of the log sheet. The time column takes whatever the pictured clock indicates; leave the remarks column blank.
1:56:18
